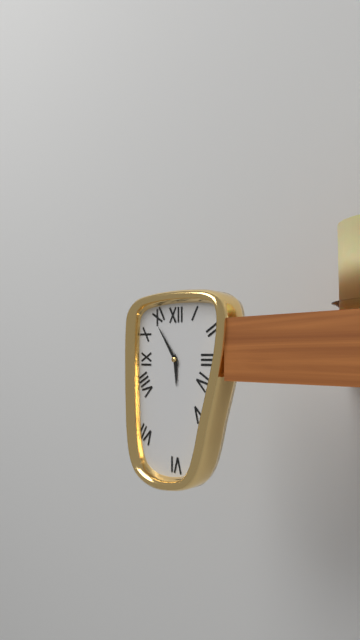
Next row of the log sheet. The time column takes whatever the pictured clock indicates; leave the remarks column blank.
5:54
